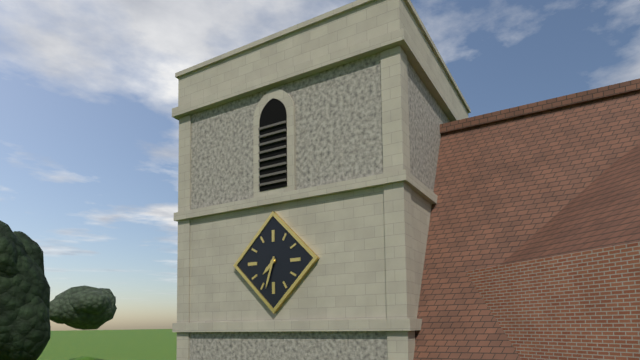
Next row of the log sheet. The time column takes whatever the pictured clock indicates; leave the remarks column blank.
7:33
